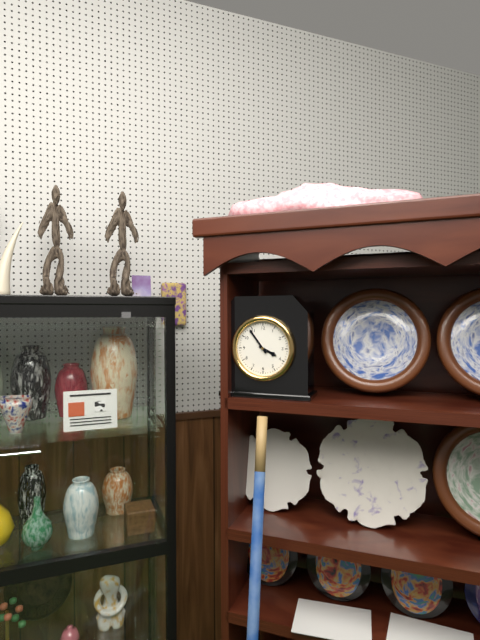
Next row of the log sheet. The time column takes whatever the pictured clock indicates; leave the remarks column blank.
3:54
